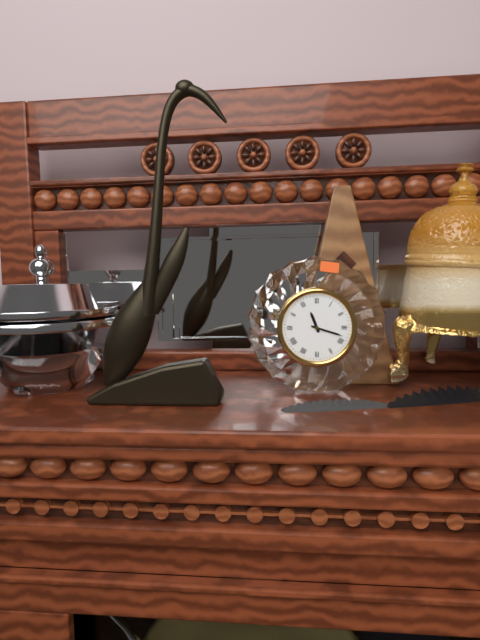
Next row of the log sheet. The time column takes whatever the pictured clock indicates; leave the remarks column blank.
11:18
